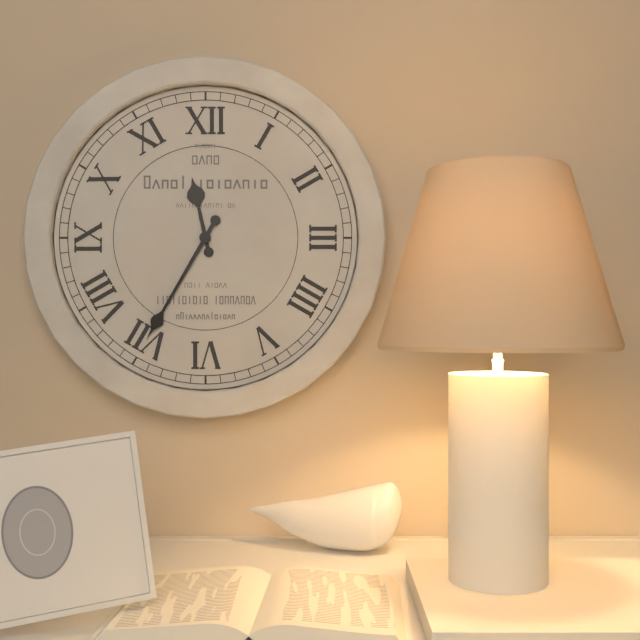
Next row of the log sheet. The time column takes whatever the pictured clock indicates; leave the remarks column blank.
11:35
